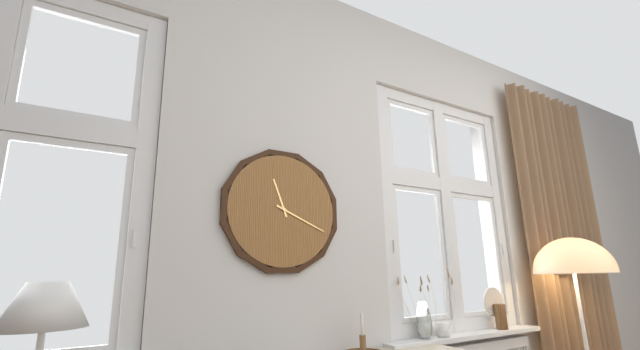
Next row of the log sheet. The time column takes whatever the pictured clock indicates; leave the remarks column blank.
11:19
